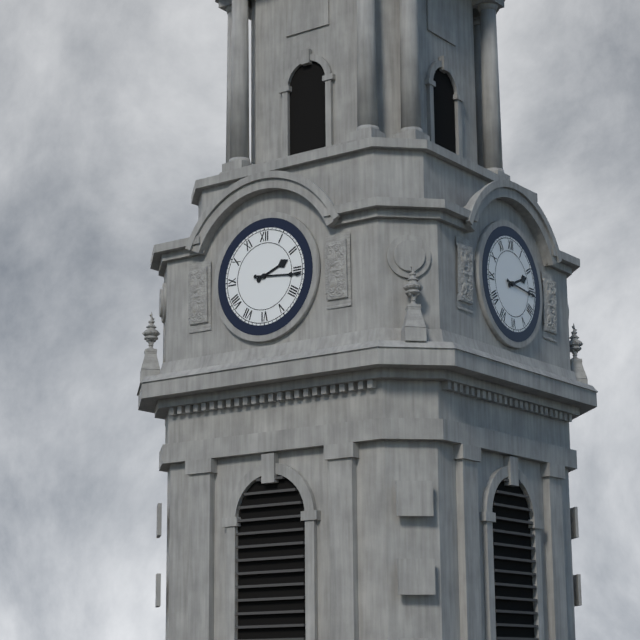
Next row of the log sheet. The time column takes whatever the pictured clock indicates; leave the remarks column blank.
2:16
